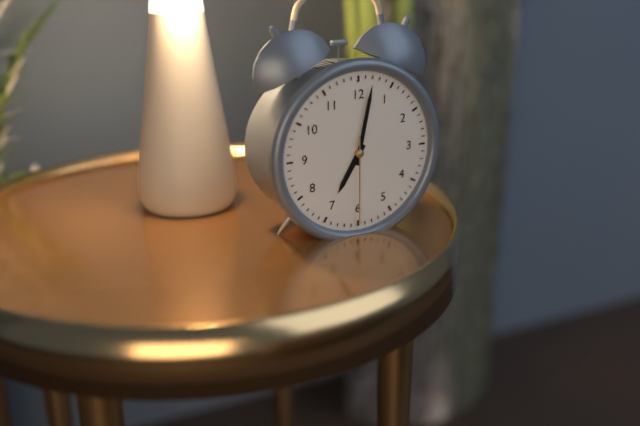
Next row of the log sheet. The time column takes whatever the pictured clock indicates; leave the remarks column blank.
7:02:30
